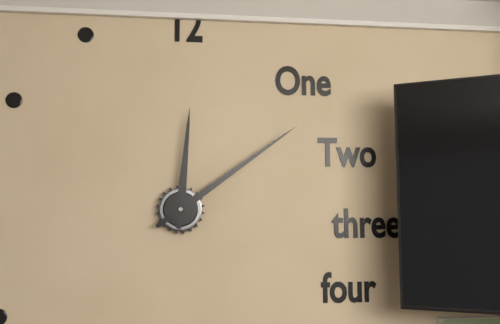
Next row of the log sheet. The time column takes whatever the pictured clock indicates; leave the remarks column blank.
12:09
